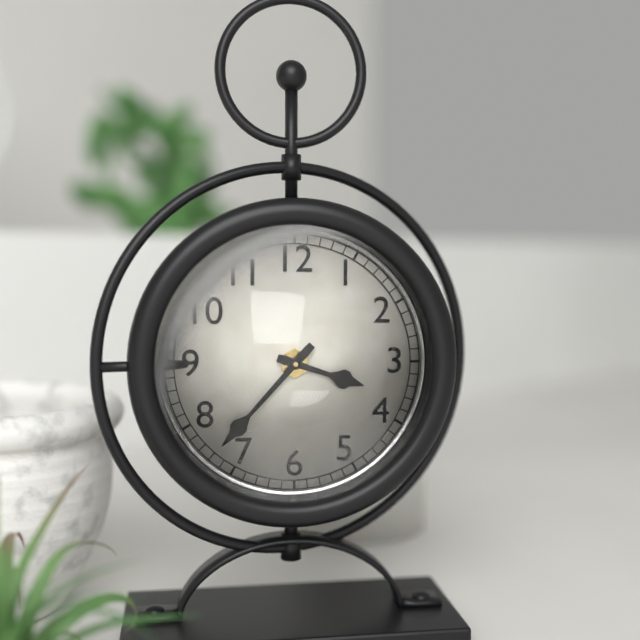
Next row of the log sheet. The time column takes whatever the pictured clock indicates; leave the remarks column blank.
3:37
